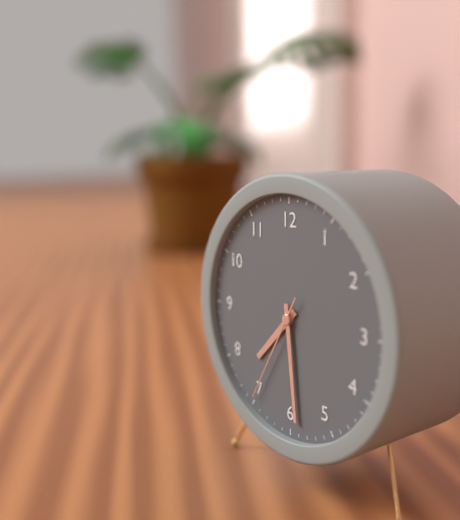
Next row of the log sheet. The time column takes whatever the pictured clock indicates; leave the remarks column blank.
7:29:35
